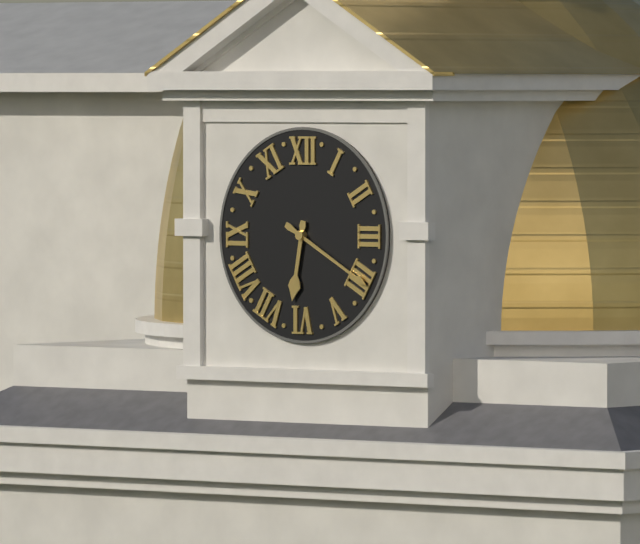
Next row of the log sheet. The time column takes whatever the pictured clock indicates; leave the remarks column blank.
6:20
